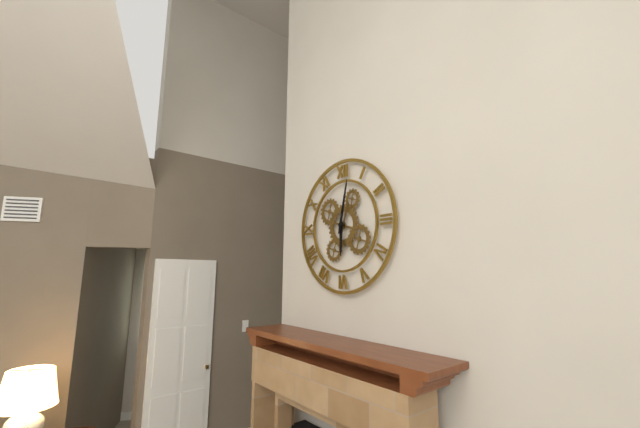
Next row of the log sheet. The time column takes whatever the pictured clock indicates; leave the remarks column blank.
6:02
